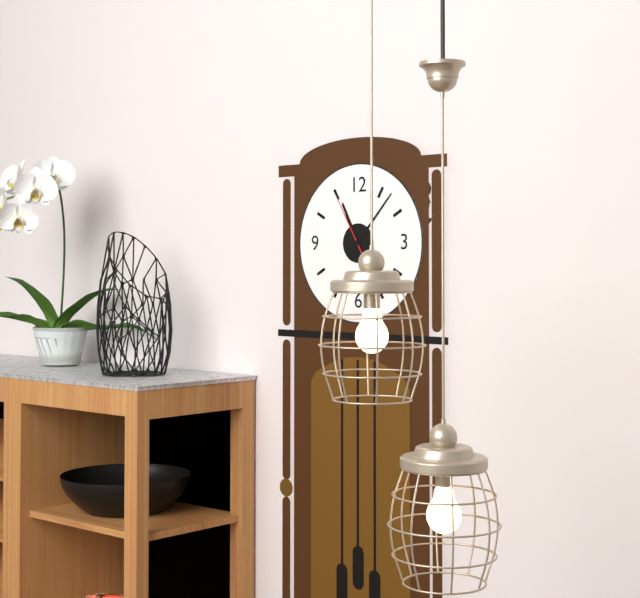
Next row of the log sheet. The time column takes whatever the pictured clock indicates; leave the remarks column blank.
11:07:55
